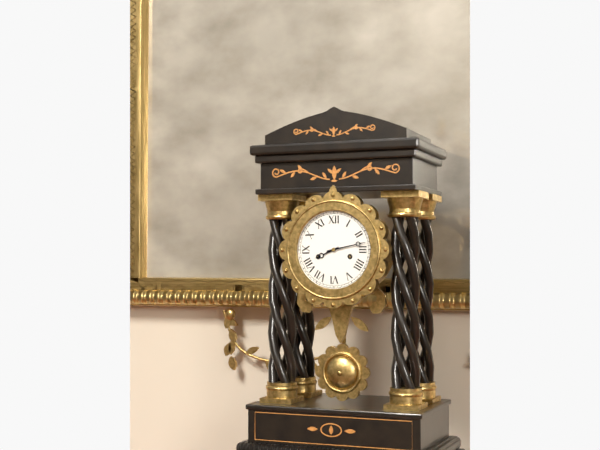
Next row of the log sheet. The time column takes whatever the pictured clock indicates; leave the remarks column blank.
8:13
